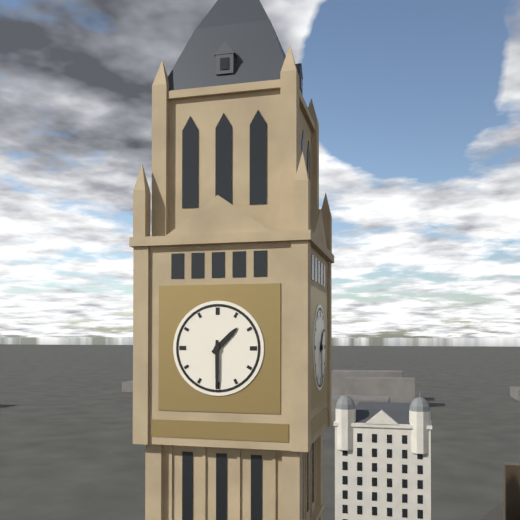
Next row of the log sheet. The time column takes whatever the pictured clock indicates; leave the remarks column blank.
1:30
